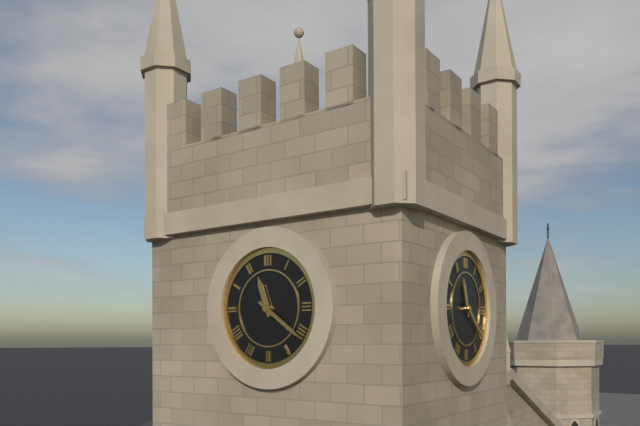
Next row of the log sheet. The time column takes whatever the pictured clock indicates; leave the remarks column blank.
11:21
